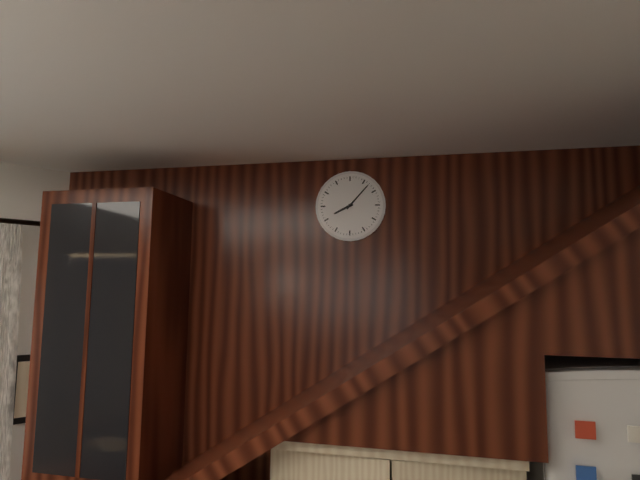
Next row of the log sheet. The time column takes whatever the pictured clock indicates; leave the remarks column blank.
8:07
